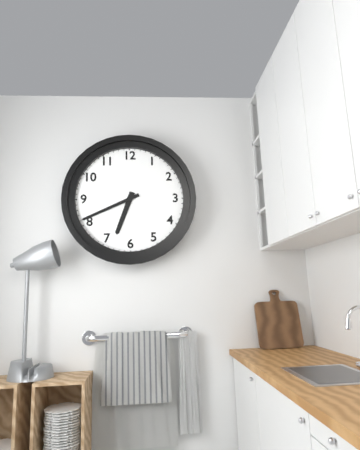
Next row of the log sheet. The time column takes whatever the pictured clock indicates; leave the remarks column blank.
6:41
